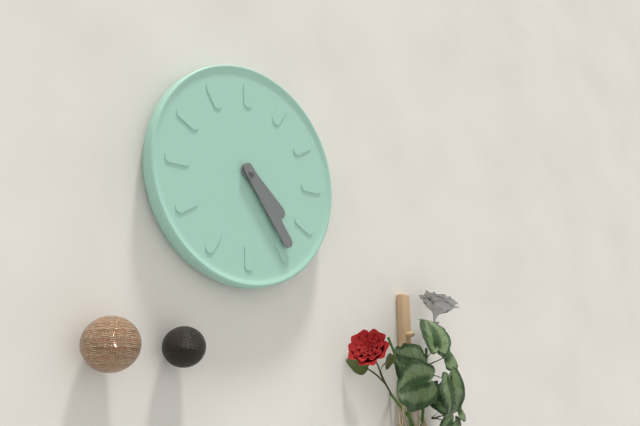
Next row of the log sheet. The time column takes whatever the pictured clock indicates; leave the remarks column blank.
4:24
